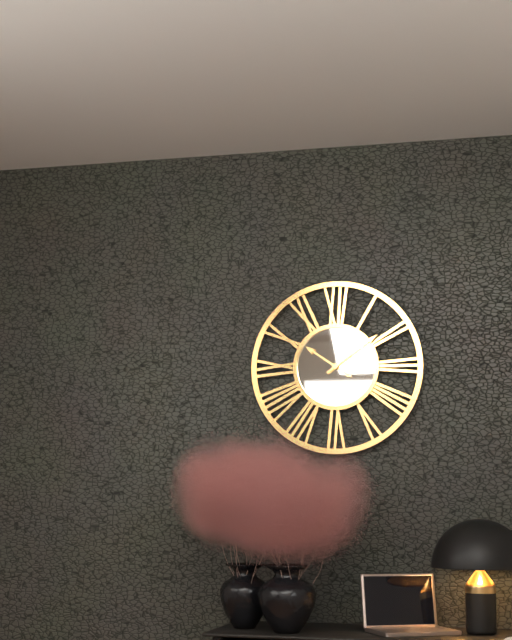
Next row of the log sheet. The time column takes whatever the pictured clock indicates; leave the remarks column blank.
10:09
